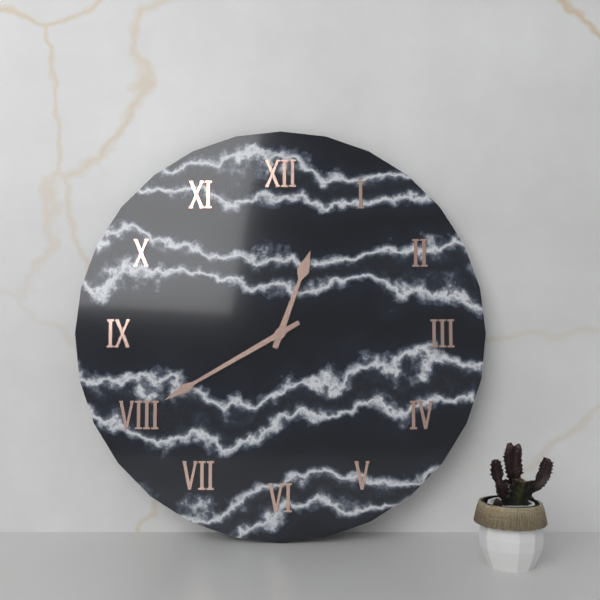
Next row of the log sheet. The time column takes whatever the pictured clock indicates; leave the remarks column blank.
12:40
